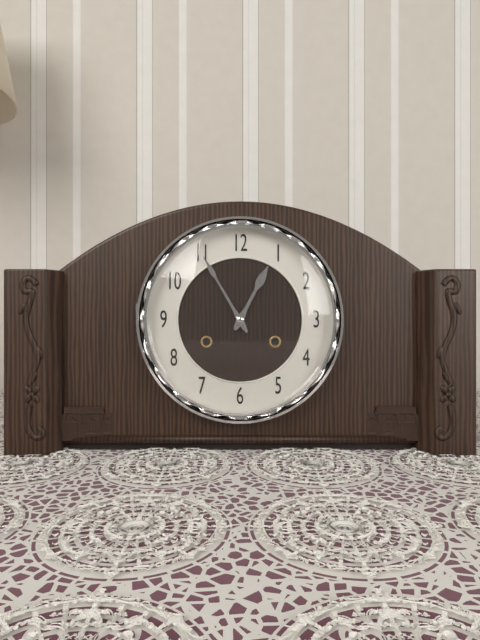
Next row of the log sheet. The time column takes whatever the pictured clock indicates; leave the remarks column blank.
12:55
